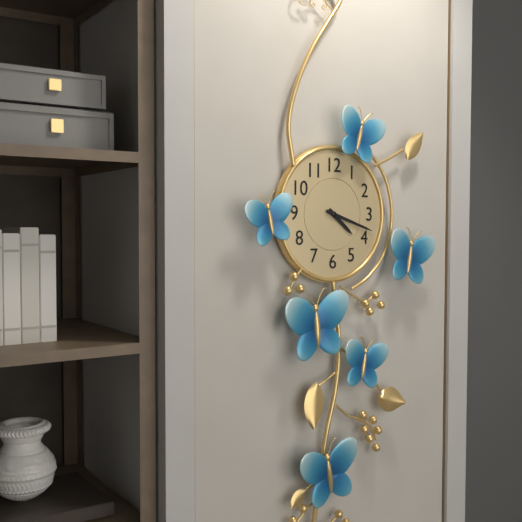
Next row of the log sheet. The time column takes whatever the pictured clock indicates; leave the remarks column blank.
4:18
